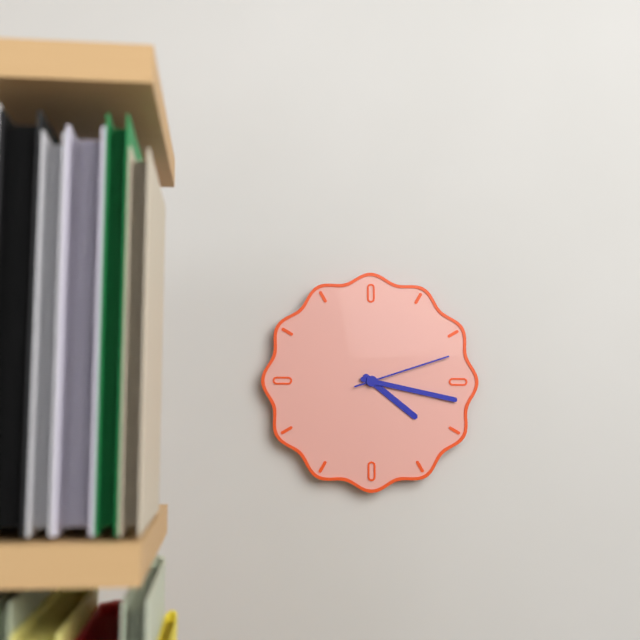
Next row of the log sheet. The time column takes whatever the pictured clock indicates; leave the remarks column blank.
4:17:12
